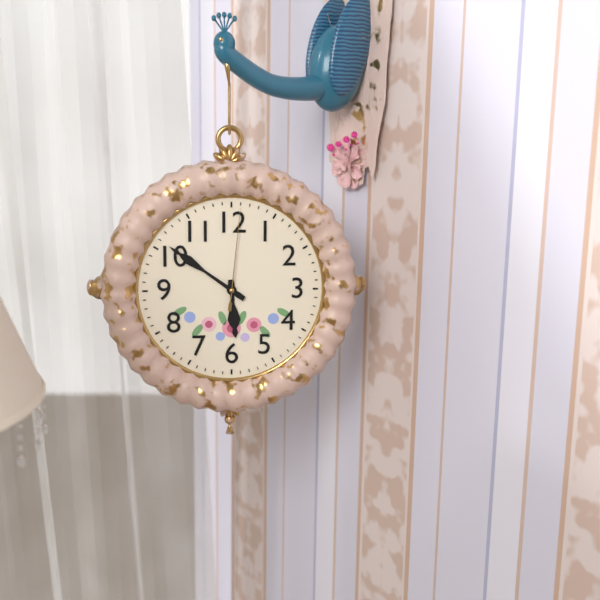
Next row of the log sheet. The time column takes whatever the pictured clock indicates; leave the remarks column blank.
5:51:01
